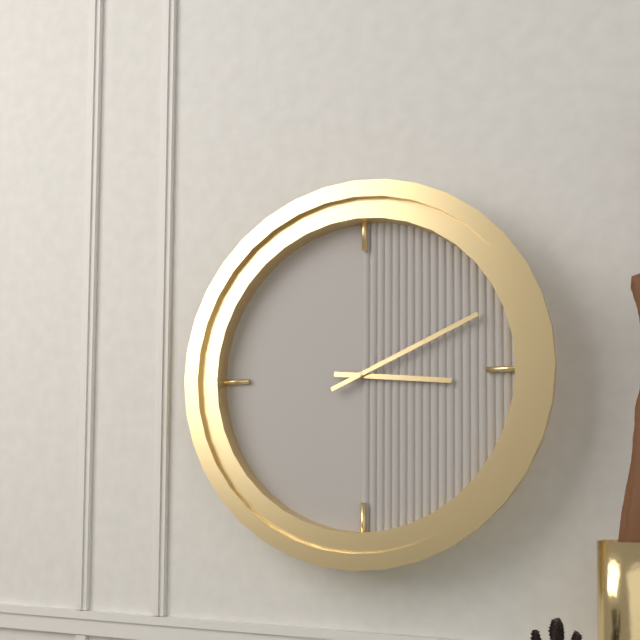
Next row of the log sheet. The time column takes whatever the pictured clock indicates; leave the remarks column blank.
3:11
